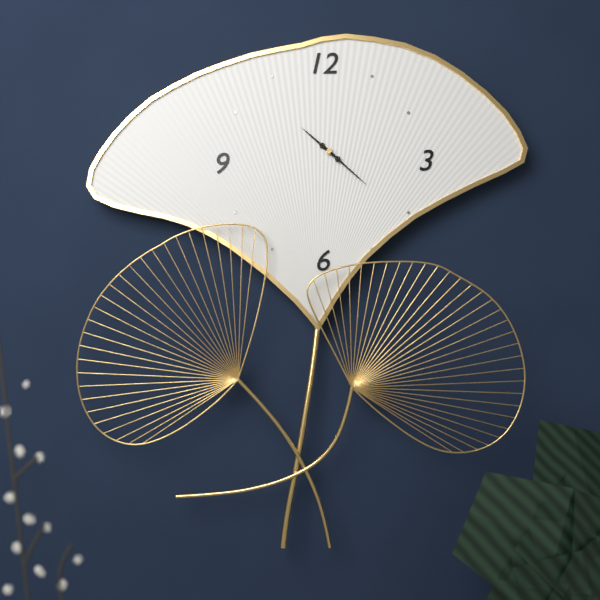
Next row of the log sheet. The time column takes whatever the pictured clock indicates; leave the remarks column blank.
10:22
